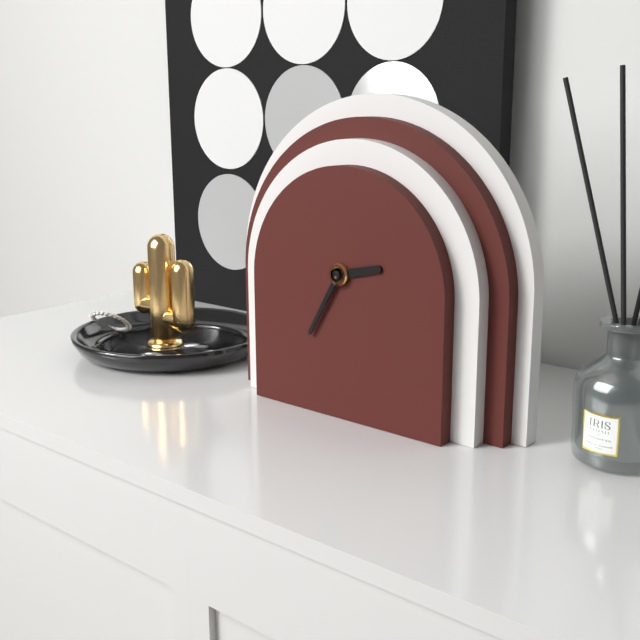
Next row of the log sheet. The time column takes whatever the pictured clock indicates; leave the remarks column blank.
2:35
